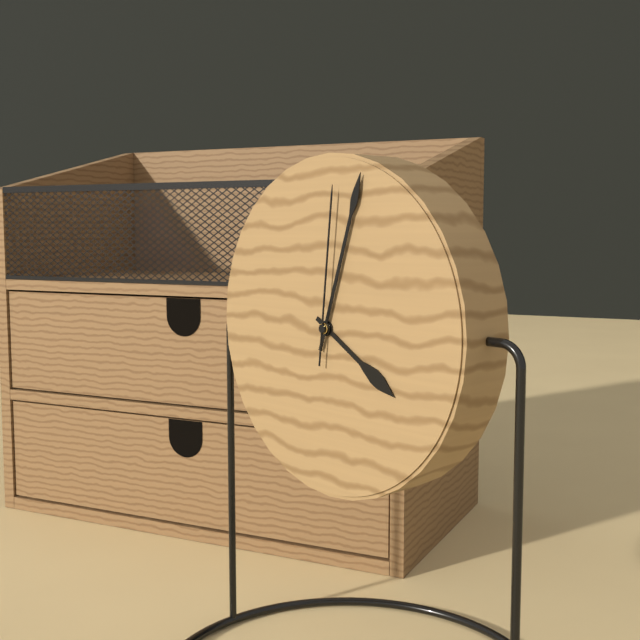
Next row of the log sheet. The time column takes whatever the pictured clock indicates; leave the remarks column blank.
4:03:01
